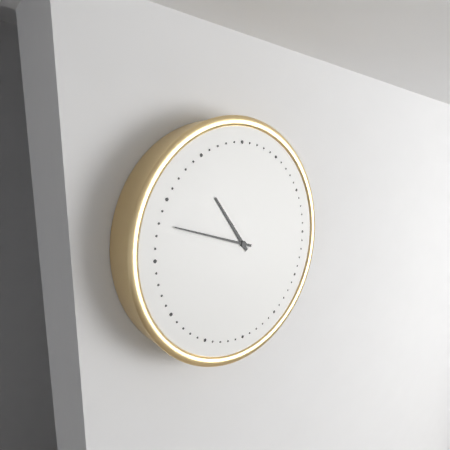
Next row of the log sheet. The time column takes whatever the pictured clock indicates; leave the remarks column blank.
10:48
